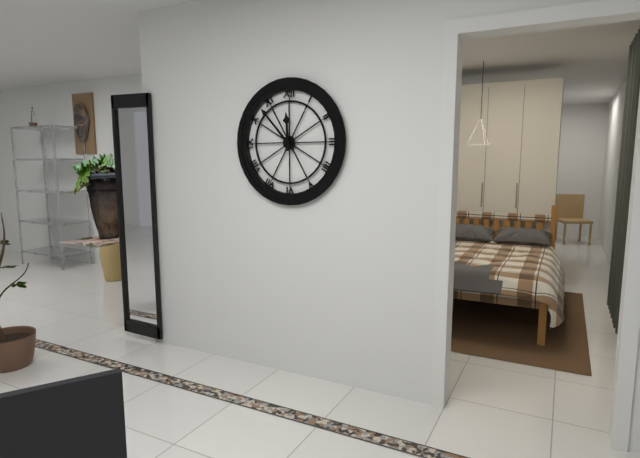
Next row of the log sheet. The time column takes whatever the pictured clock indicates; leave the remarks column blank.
11:53
